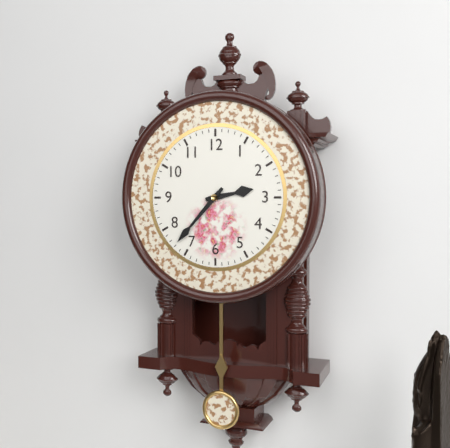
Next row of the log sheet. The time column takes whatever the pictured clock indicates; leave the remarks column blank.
2:37
